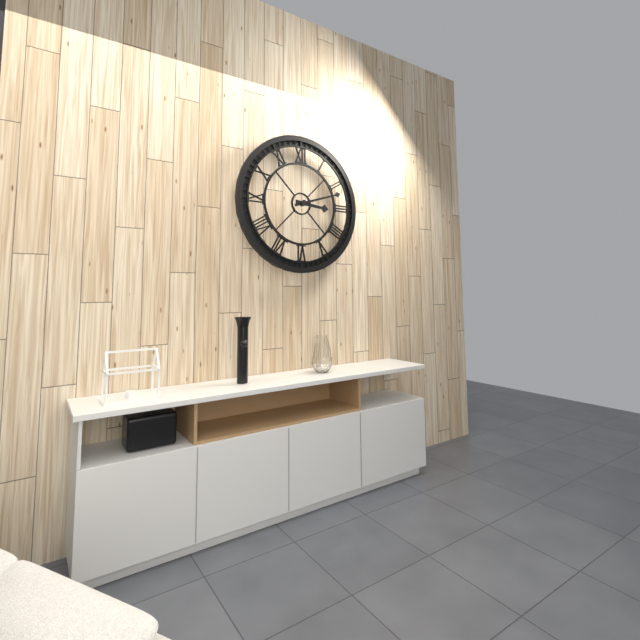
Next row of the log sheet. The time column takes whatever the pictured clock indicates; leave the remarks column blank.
3:12
